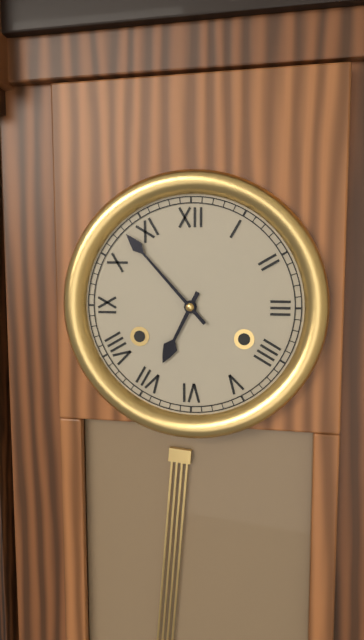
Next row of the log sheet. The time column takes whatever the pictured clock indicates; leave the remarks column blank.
6:53
